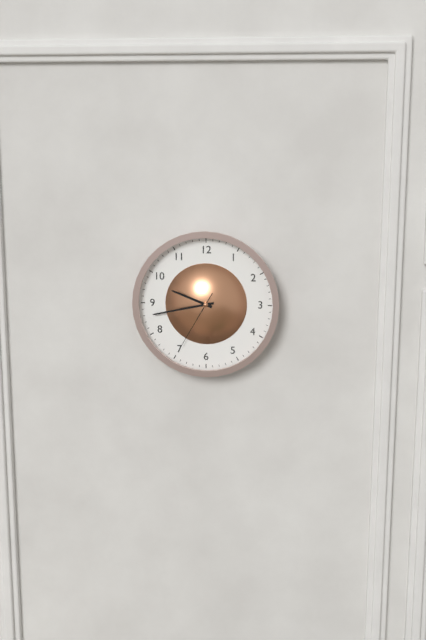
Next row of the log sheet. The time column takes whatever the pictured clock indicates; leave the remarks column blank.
9:43:35
